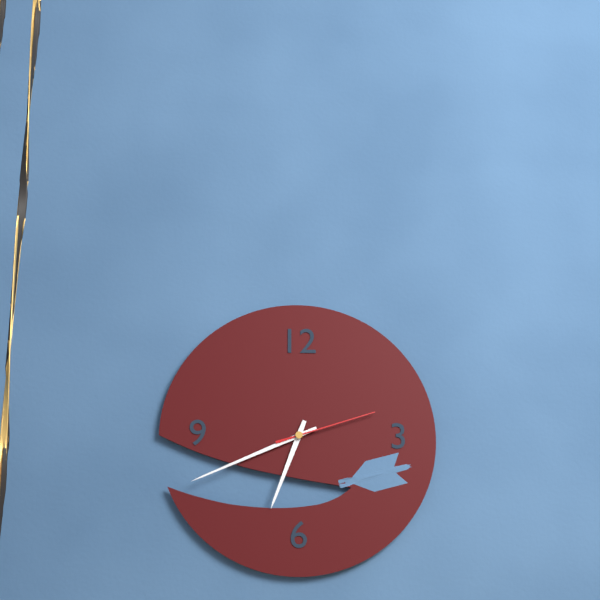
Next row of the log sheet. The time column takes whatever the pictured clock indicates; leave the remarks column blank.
6:41:12
